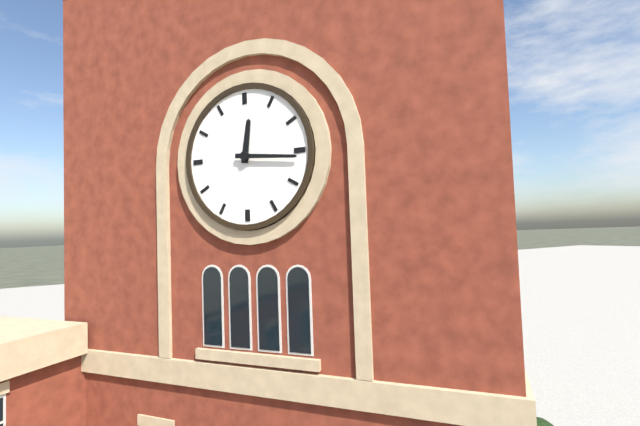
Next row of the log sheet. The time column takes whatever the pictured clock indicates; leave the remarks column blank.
12:16
